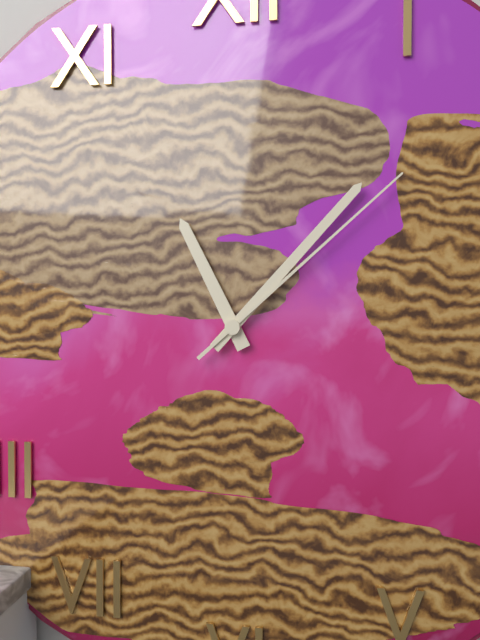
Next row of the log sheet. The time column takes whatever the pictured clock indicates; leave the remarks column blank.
11:07:08
